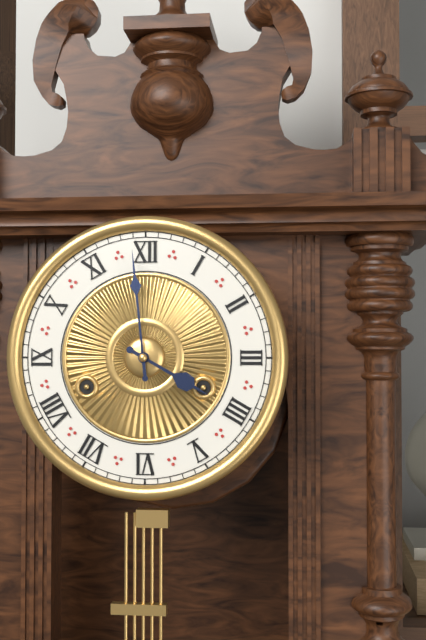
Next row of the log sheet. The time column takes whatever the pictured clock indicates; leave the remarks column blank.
3:59
